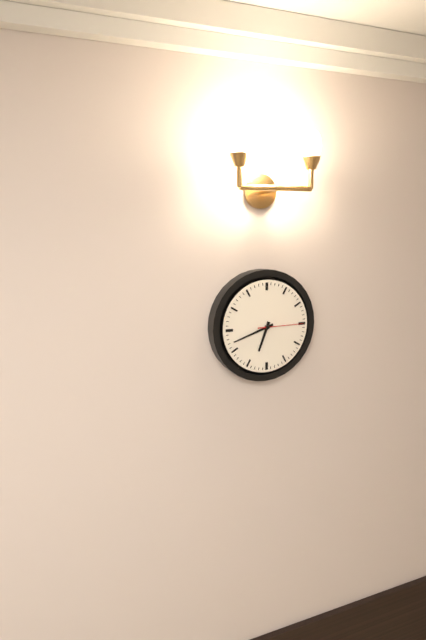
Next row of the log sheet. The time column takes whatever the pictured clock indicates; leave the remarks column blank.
6:42:15
